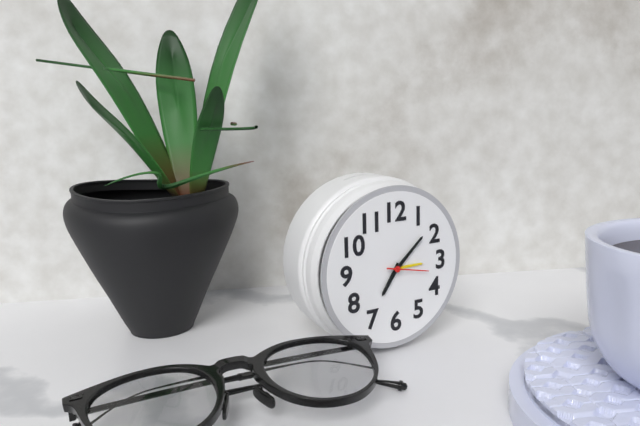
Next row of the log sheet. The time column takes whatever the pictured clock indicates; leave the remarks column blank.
7:08
